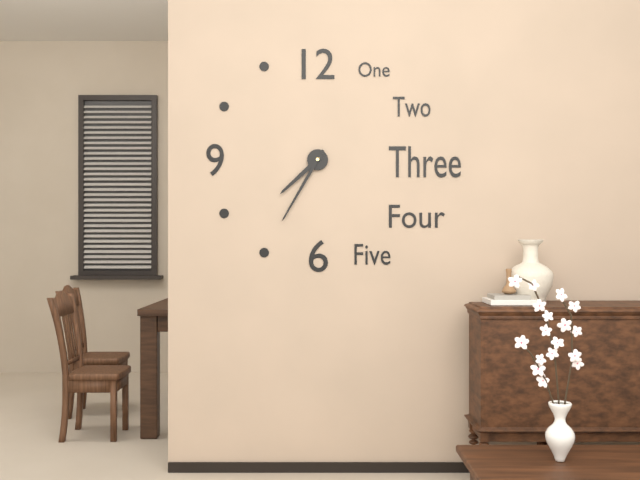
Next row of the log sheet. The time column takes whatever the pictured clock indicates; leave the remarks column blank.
7:35
